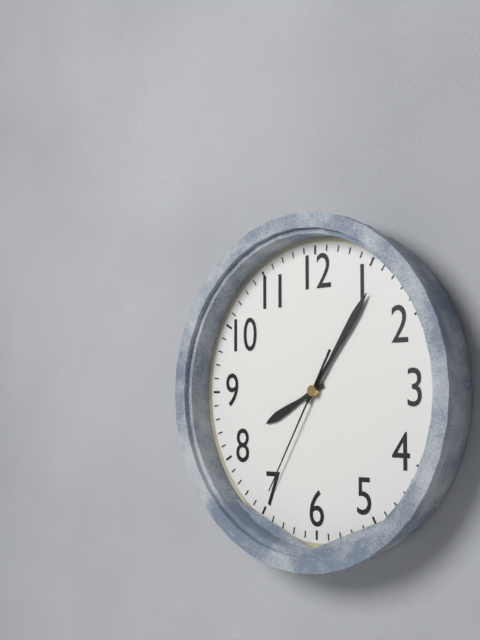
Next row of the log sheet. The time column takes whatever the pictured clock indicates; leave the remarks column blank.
8:06:35
